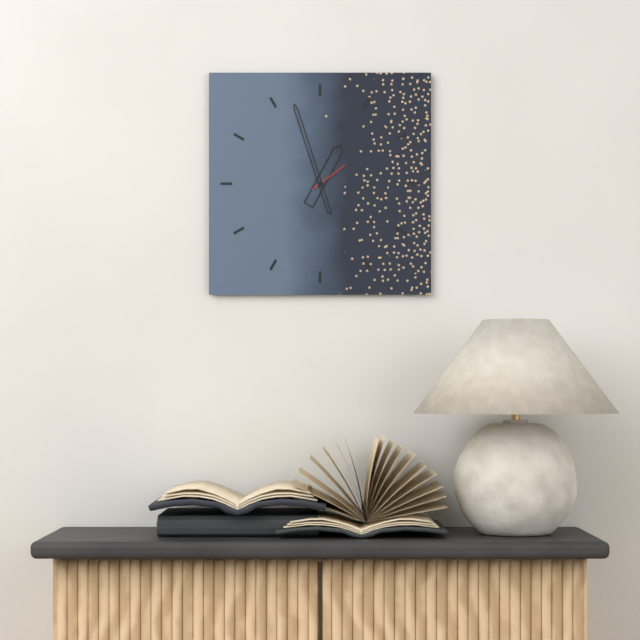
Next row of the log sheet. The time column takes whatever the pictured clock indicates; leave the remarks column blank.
12:57
